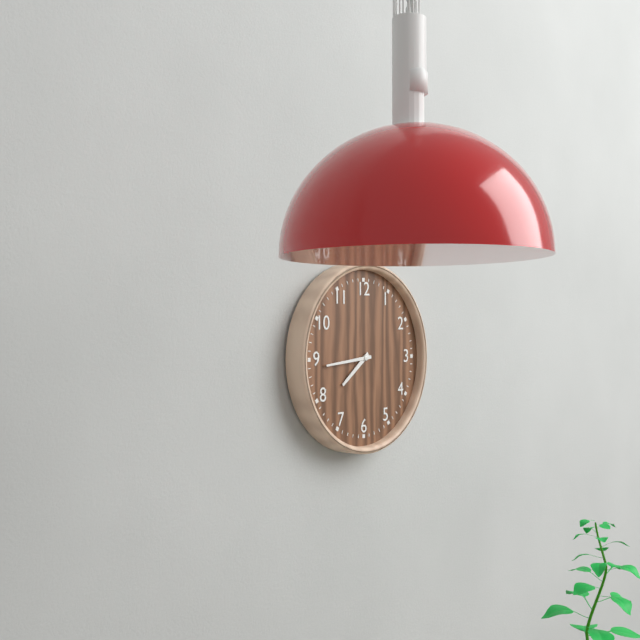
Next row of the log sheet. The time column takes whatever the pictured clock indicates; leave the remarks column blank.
7:44
